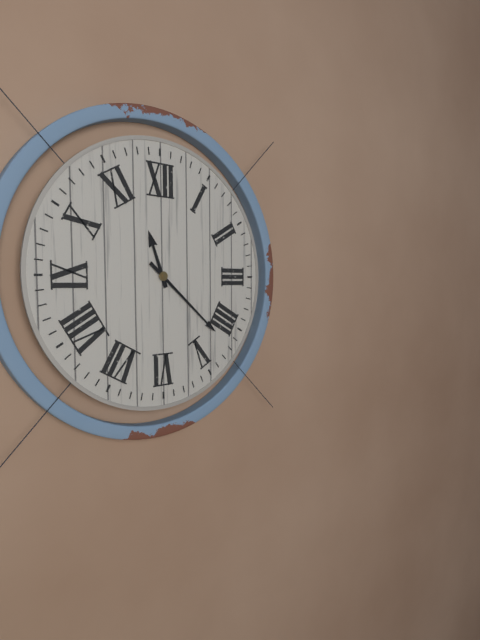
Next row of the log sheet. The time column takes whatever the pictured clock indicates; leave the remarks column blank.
11:22
